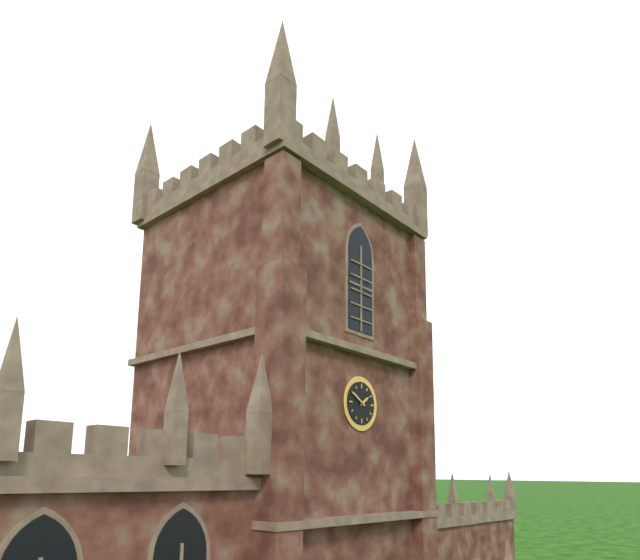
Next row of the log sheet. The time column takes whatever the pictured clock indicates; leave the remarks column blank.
1:50
